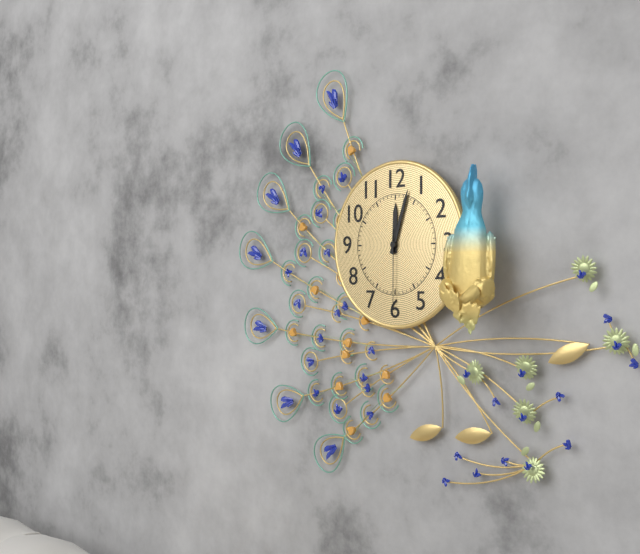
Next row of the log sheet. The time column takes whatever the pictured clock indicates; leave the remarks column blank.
12:03:30
